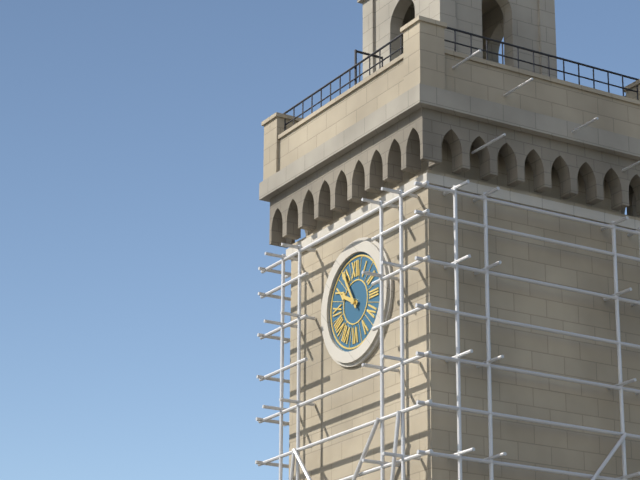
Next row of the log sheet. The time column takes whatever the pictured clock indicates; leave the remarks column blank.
9:55
